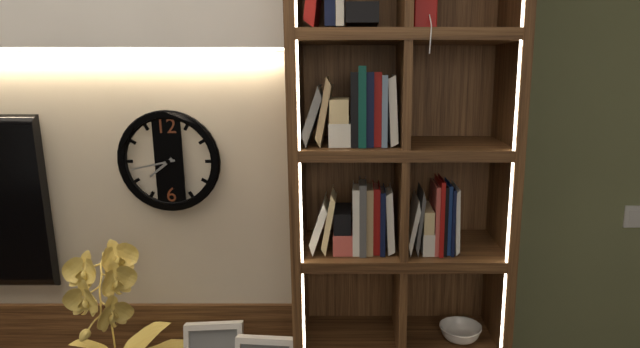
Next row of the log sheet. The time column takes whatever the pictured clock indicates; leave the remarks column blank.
7:43
